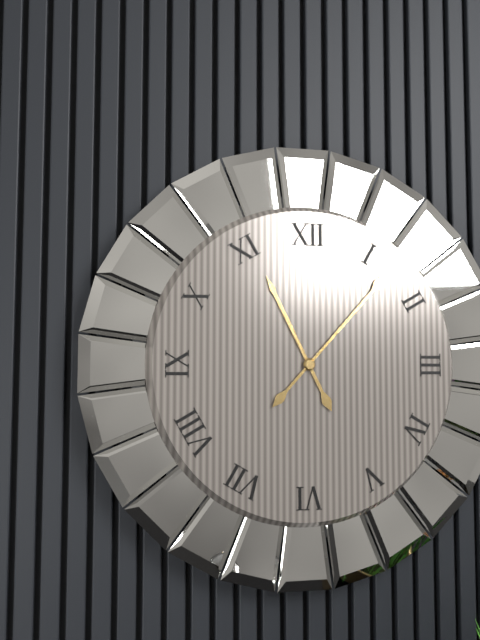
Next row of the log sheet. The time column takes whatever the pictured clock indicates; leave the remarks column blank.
11:07
